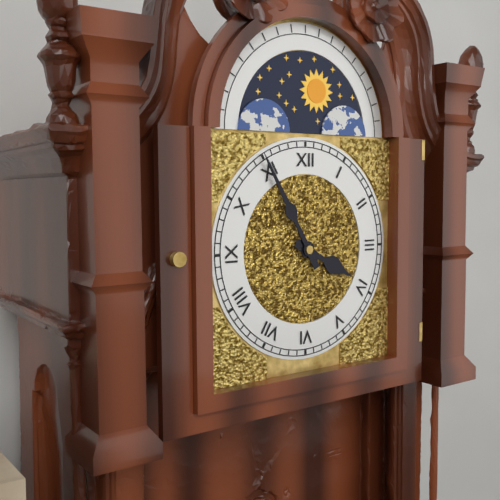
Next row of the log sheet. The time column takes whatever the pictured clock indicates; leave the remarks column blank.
3:55
